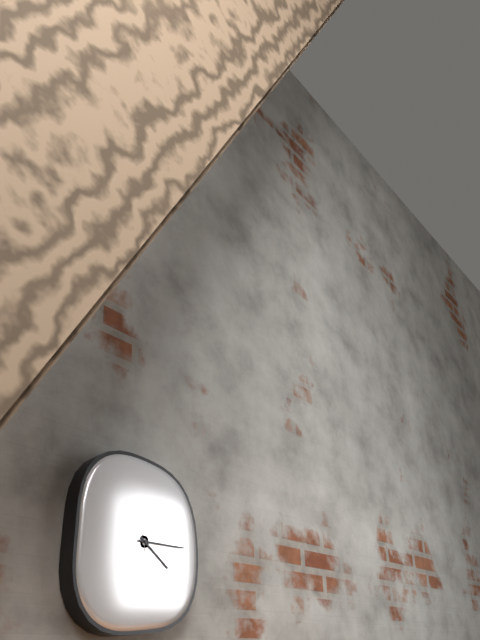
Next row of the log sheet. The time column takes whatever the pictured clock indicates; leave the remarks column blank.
4:15
